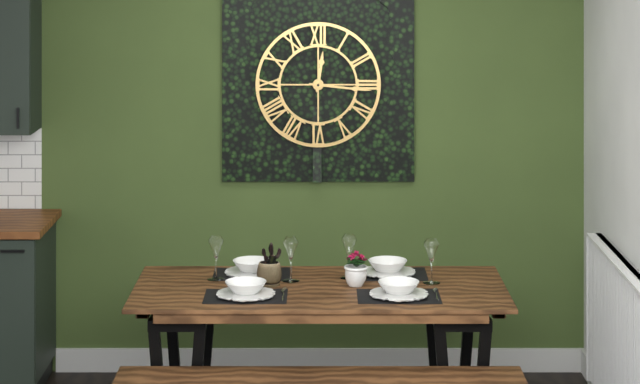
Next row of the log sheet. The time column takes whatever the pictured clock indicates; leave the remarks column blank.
12:16
